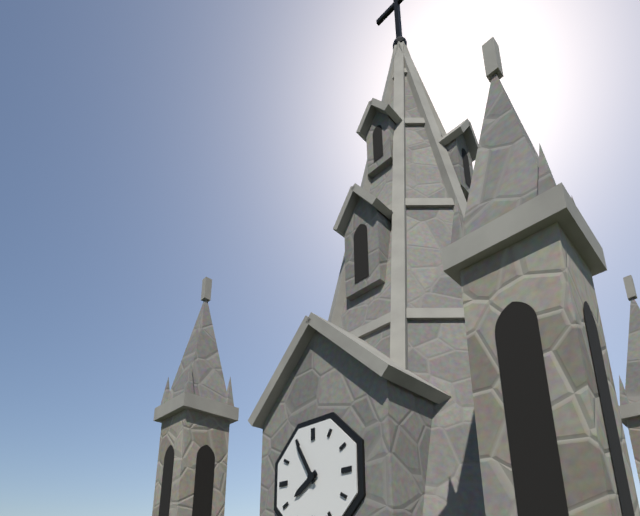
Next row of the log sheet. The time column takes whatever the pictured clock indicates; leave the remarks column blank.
7:55
